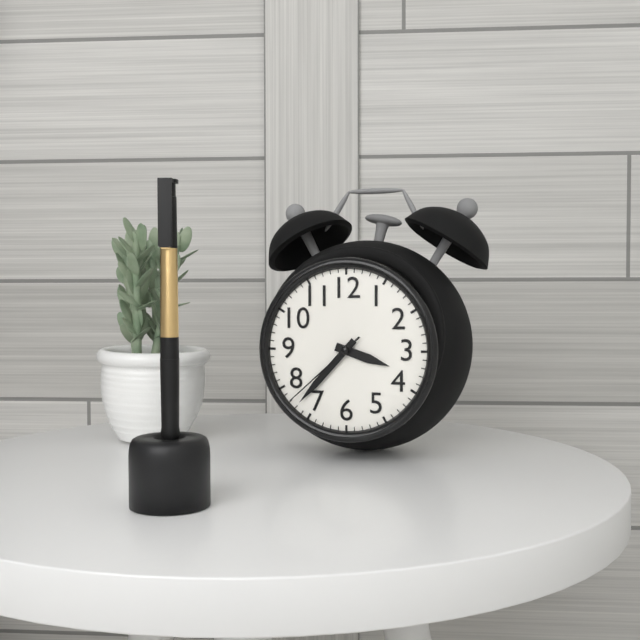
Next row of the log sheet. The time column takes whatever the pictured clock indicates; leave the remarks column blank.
3:37:38
